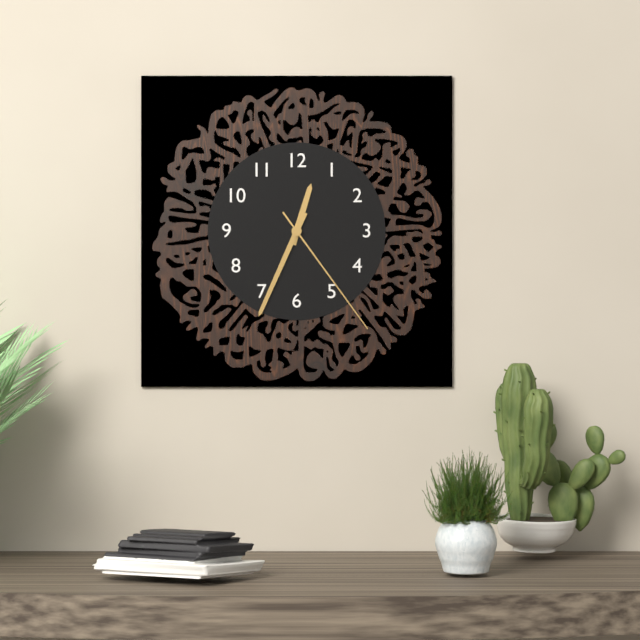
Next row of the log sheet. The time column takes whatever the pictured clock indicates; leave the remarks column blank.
12:34:24
